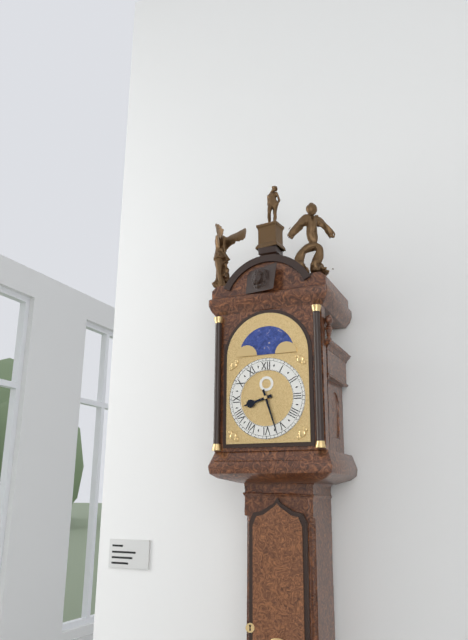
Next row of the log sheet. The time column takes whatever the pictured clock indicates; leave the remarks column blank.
8:27
